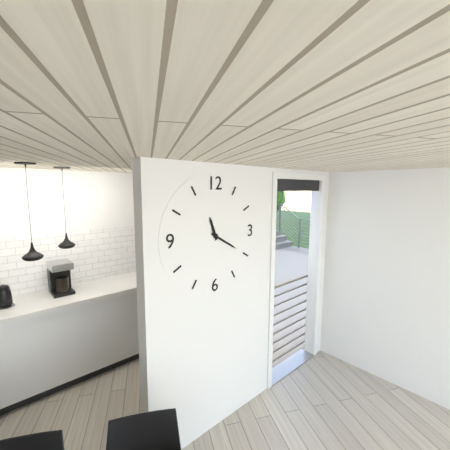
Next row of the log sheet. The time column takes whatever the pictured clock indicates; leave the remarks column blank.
11:20
